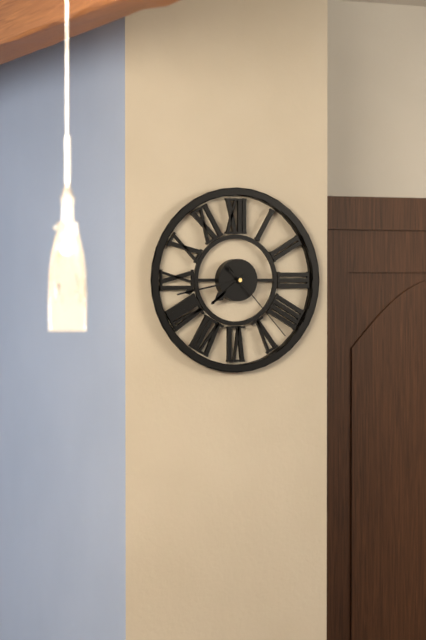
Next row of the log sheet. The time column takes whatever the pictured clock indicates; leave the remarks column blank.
7:43:23
